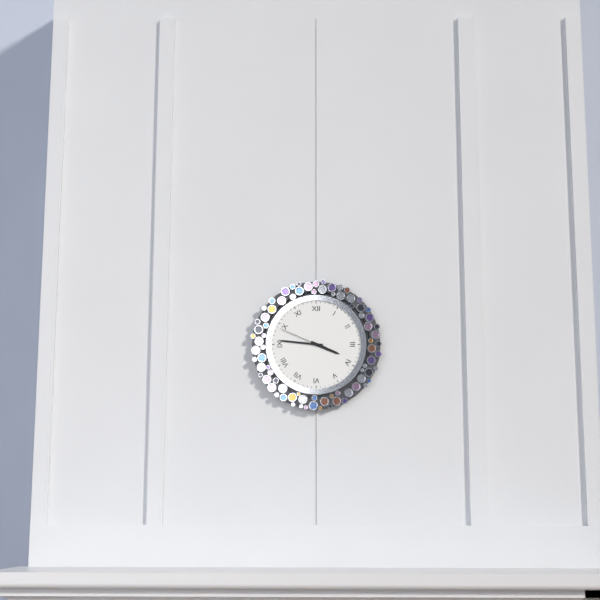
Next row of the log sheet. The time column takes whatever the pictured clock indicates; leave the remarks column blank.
3:46:49
